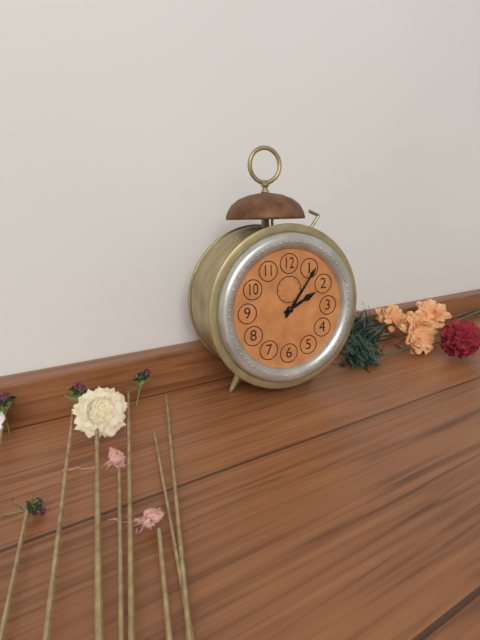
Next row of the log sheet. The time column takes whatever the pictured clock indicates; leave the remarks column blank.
2:06
